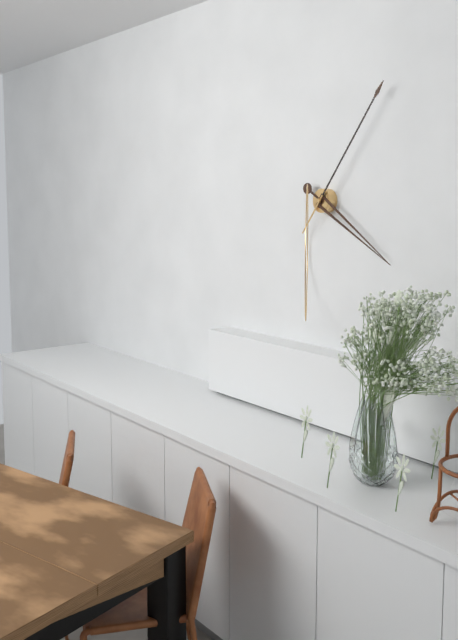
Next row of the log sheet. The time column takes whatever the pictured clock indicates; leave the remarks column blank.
4:06
